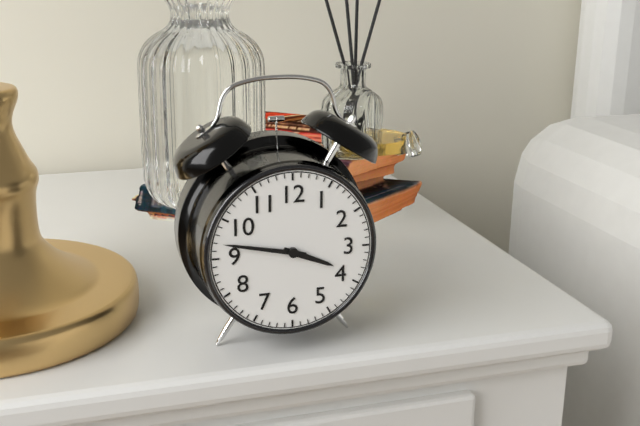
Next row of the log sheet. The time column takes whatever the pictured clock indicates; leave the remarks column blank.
3:47
